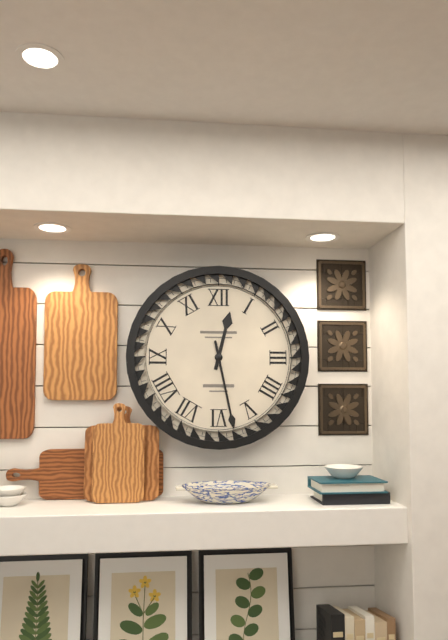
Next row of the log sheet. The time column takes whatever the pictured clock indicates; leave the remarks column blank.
12:28
